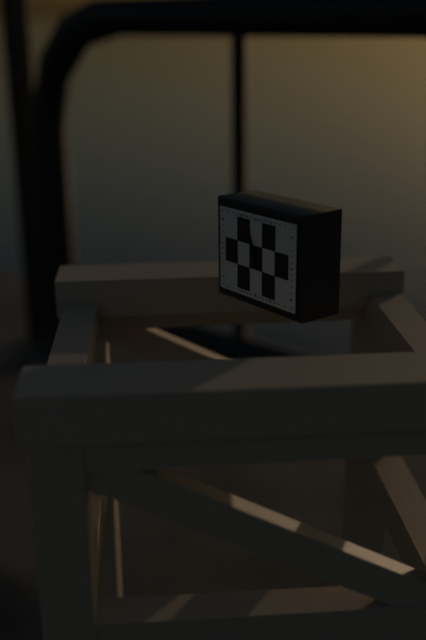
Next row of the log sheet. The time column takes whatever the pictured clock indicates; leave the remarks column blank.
10:57
